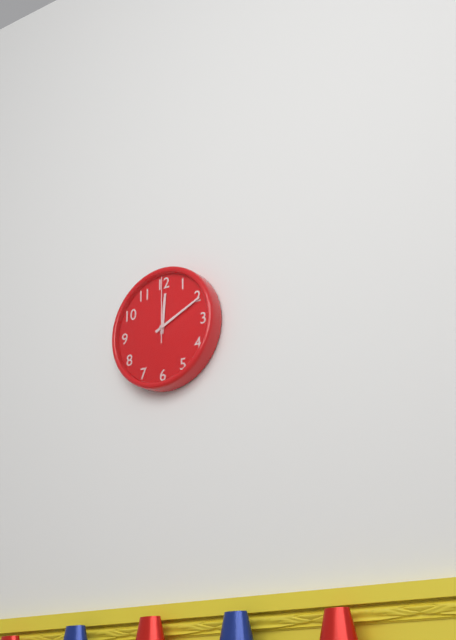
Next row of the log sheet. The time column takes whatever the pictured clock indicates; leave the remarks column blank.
12:11:00
